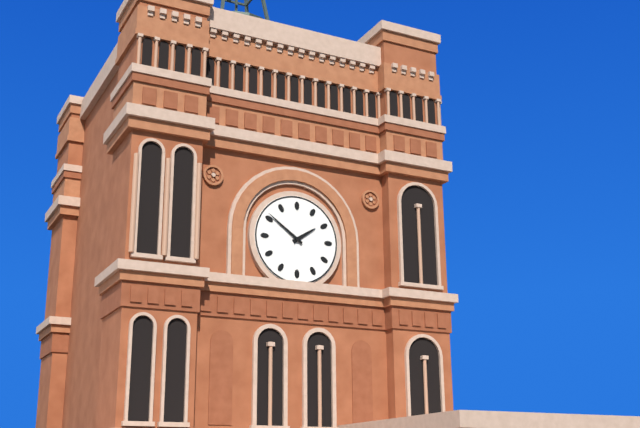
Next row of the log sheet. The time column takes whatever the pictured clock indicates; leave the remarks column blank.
1:51
